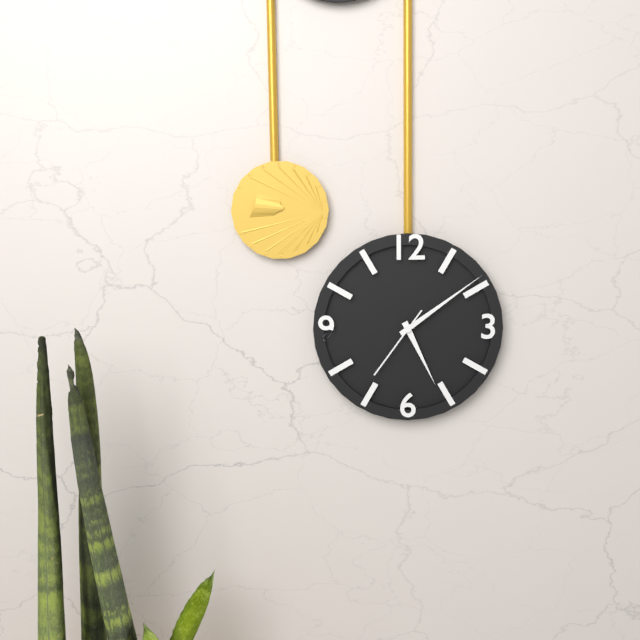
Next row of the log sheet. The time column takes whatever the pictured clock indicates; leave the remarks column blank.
5:09:36
